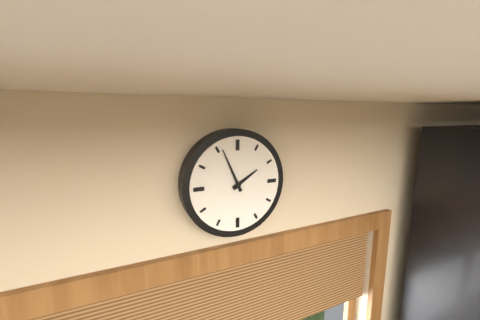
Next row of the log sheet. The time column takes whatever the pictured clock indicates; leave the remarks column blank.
1:56
